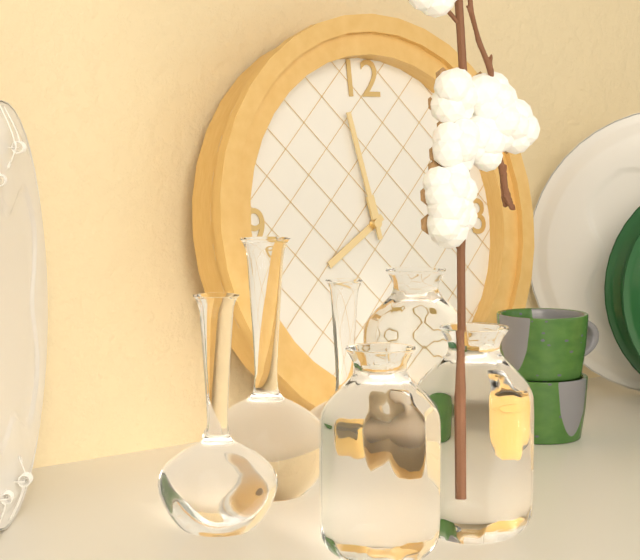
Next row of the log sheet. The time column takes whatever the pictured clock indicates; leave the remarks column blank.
7:58
